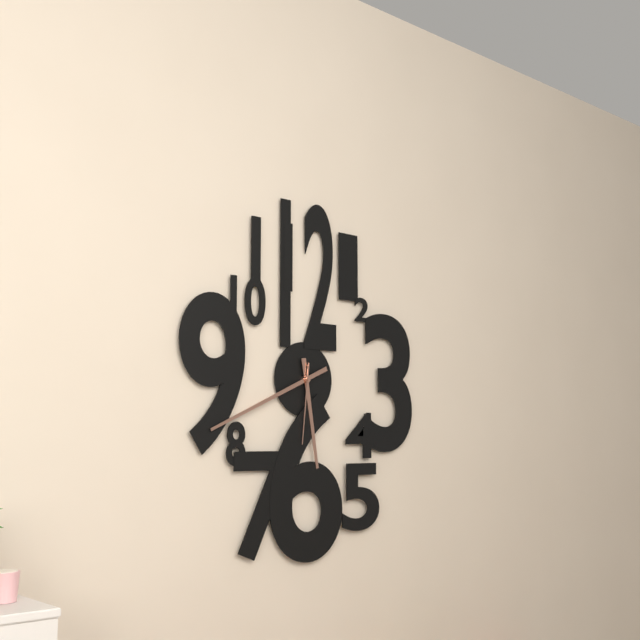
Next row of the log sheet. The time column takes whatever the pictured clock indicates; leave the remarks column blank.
5:41:31
